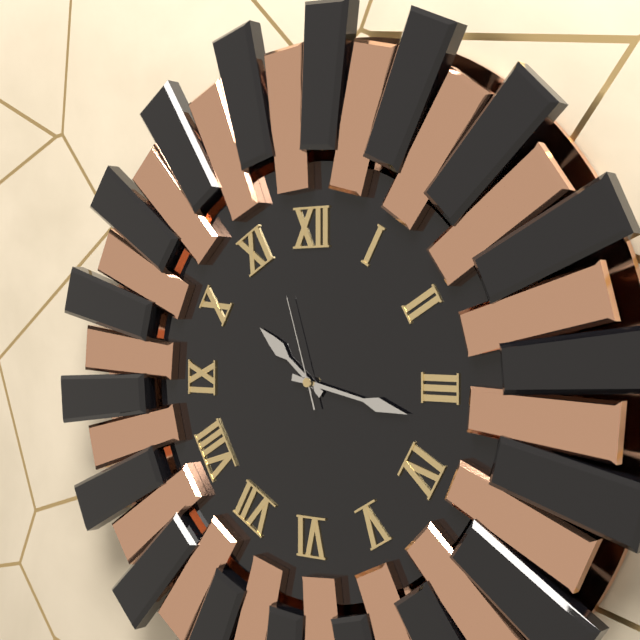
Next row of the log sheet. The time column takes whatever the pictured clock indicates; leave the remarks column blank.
10:17:57
